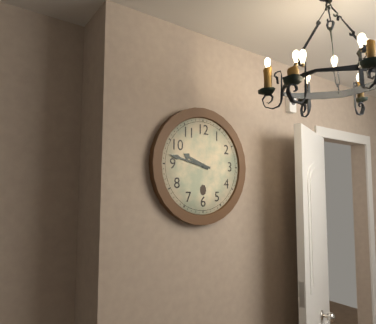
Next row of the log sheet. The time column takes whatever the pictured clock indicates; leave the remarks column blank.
9:47
